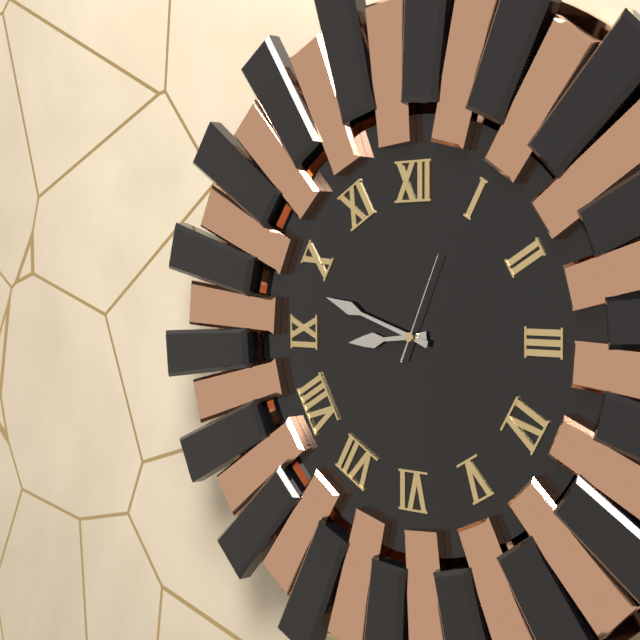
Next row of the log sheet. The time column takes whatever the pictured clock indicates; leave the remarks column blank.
8:48:04
